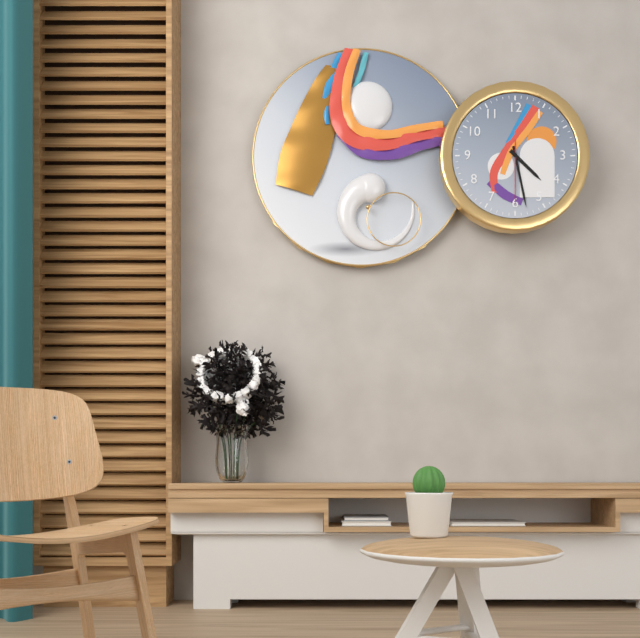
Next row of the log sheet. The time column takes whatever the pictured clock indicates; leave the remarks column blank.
4:28:30
